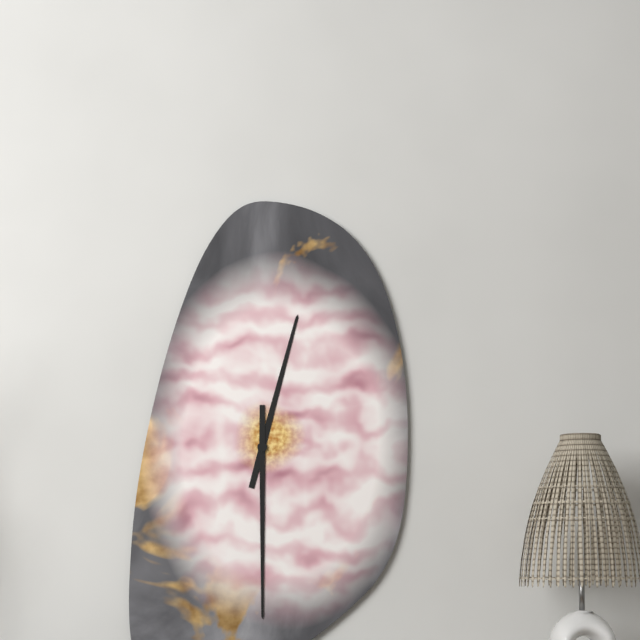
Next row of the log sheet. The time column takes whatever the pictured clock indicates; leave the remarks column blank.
12:30
